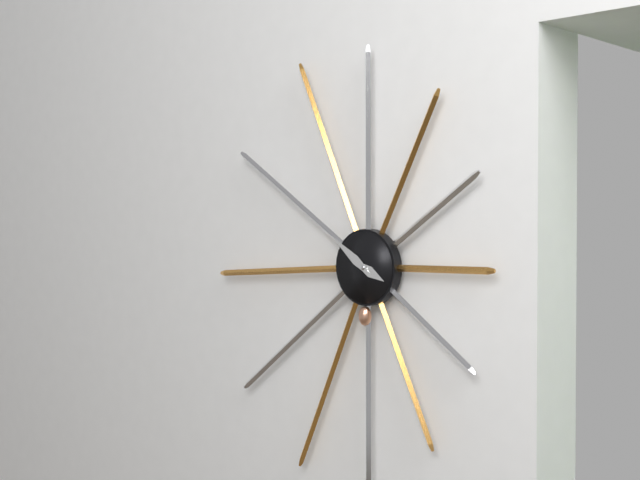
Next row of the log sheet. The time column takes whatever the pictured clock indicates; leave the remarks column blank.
3:51
